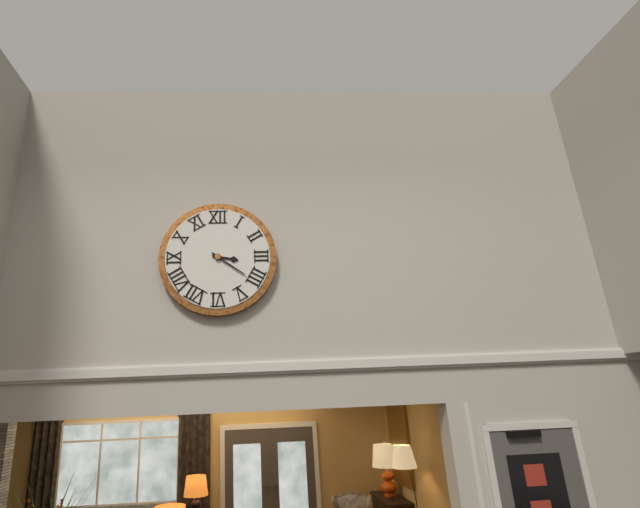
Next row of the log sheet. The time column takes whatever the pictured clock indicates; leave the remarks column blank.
3:21
